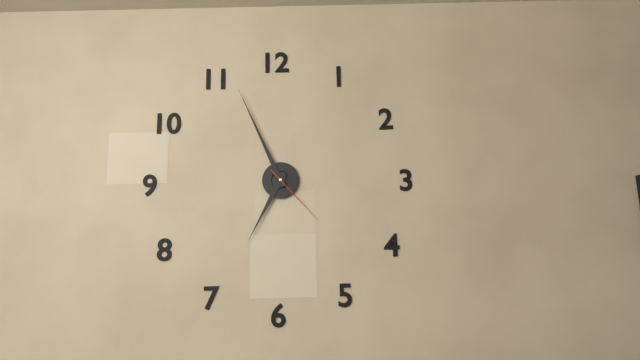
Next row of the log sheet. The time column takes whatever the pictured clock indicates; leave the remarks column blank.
6:56:23
